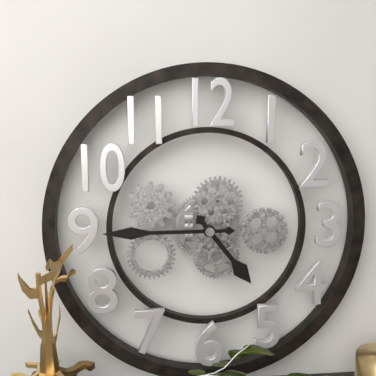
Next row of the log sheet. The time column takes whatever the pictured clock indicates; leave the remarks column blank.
4:45
